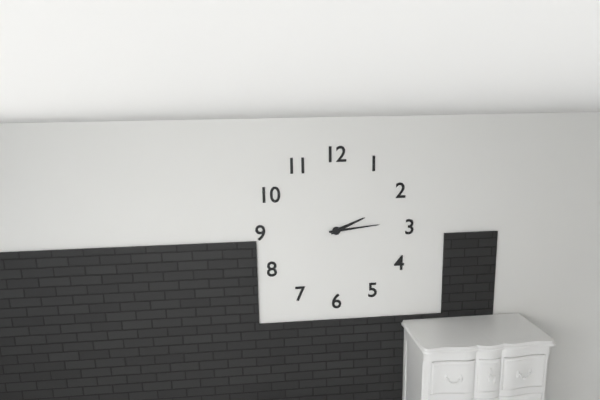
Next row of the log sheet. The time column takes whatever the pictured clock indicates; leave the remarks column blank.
2:14
